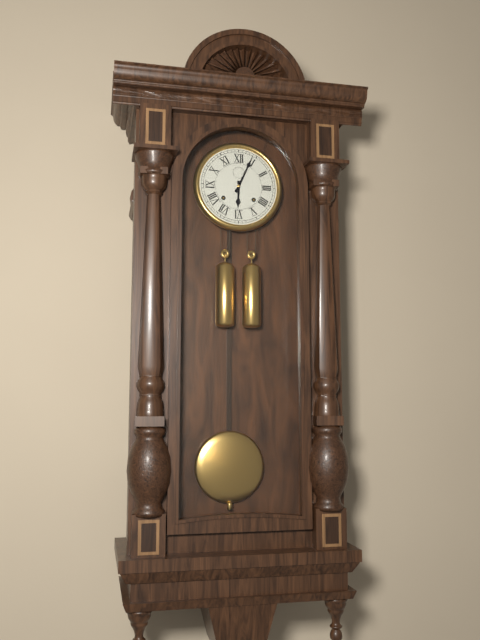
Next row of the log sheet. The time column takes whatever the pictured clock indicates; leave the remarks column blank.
6:04
